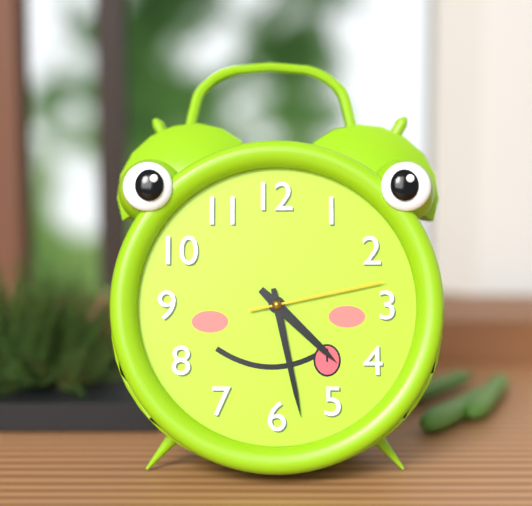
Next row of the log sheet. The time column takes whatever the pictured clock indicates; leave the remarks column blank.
4:28:13
